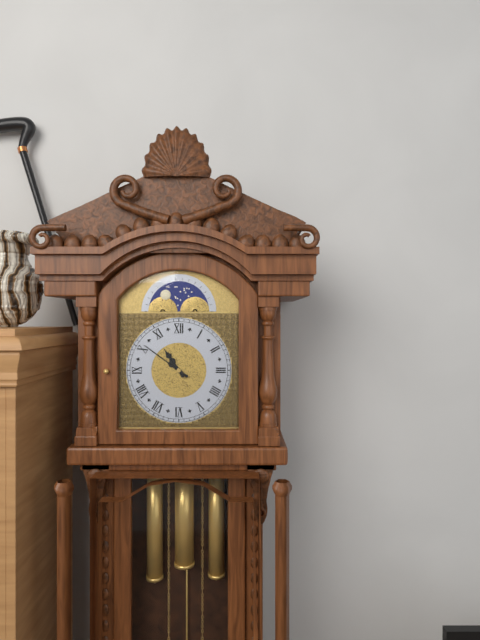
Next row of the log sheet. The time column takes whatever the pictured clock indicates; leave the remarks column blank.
10:51
